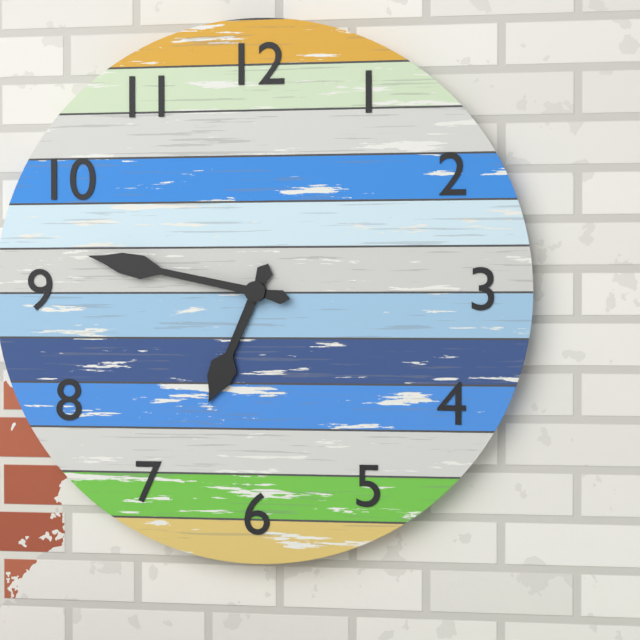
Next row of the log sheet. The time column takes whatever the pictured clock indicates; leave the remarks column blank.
6:47
